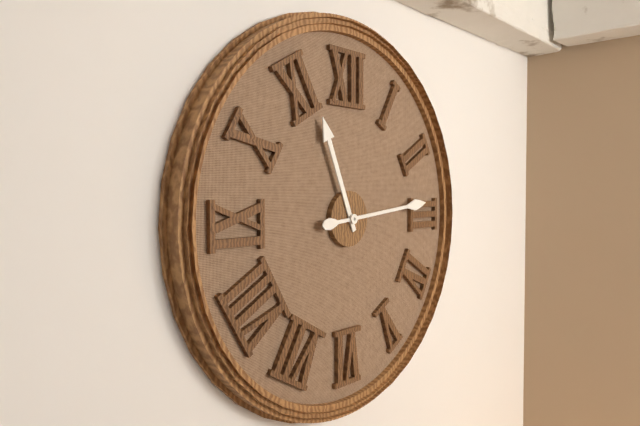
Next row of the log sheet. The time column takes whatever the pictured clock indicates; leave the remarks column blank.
11:14
